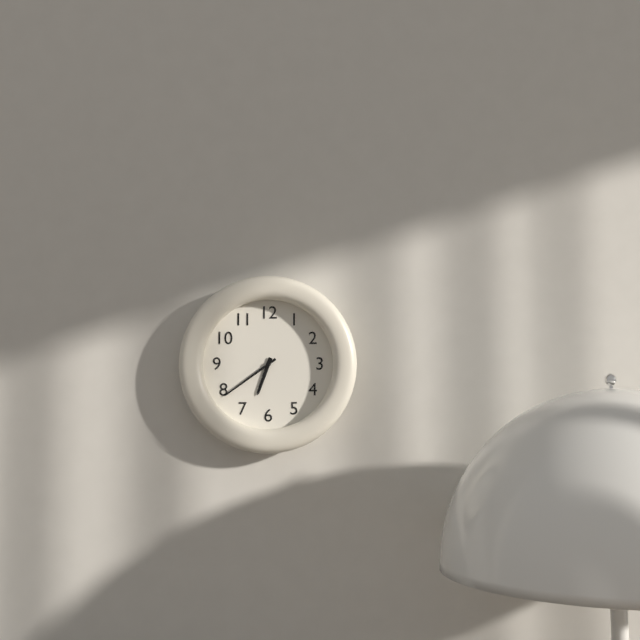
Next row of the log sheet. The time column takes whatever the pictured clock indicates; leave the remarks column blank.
6:39
